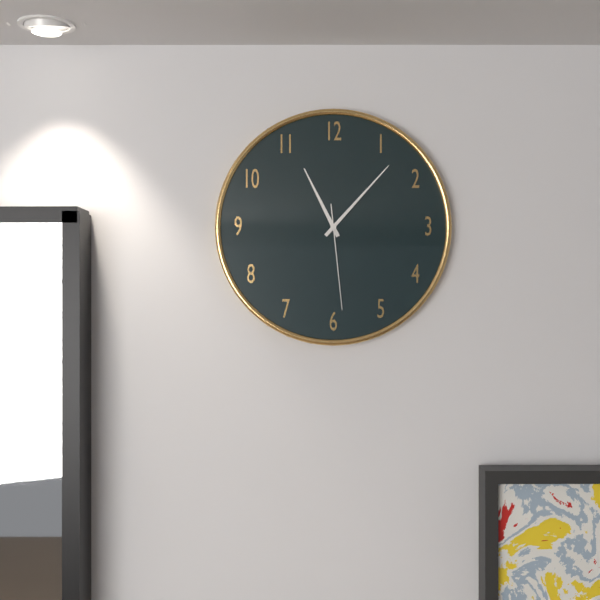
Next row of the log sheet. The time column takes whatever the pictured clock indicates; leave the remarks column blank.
11:07:29
